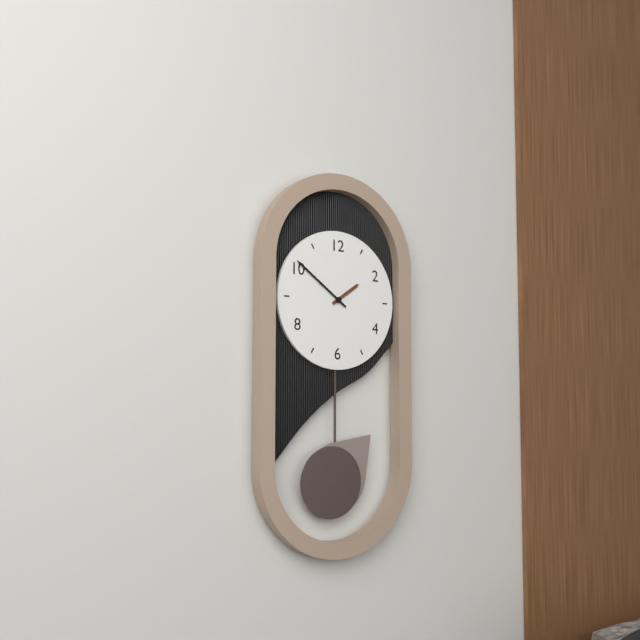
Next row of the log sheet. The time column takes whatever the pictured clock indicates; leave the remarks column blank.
1:51
